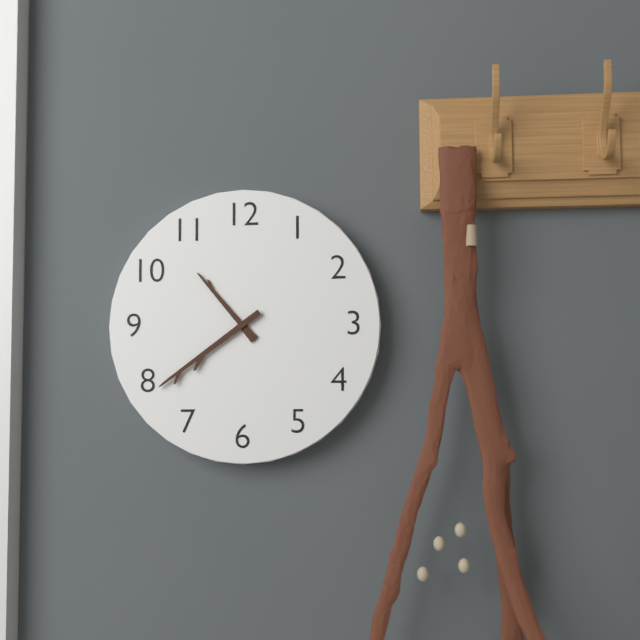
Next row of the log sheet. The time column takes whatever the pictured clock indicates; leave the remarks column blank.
10:39
